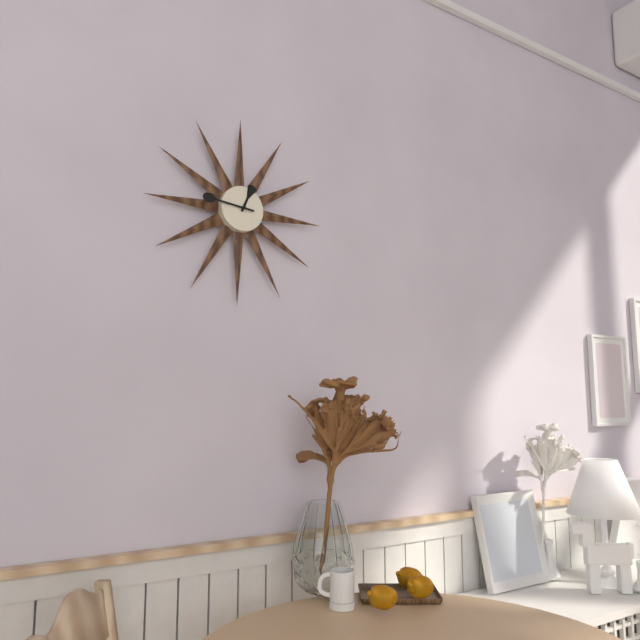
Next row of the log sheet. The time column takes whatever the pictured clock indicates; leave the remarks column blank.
12:46
